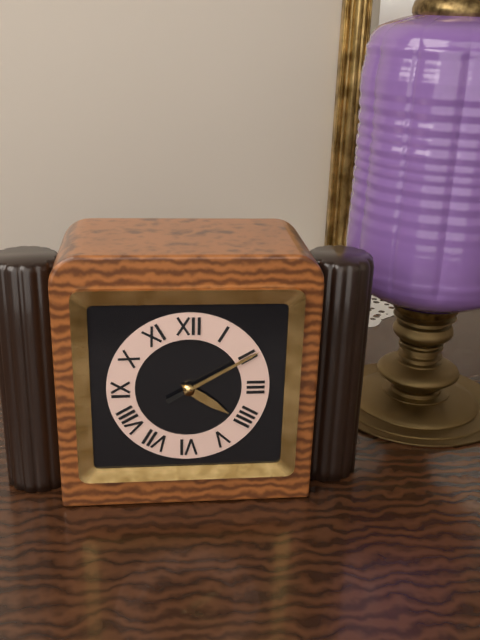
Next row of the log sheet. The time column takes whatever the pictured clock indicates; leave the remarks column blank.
4:10
